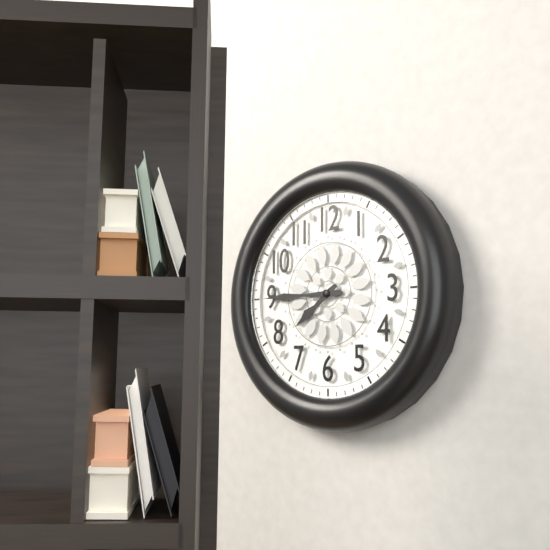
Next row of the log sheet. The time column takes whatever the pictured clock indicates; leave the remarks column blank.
7:45
